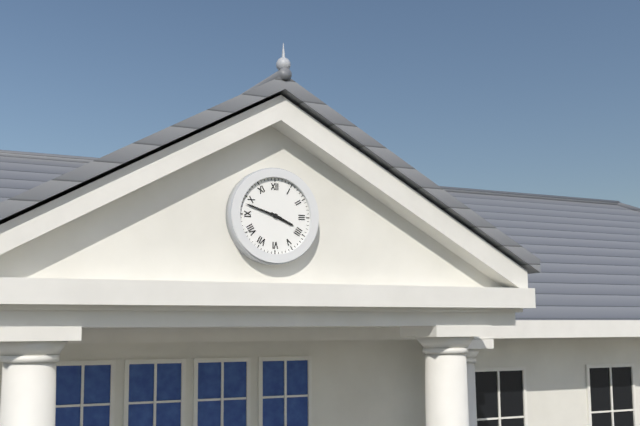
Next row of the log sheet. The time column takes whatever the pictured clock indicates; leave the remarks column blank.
3:48
